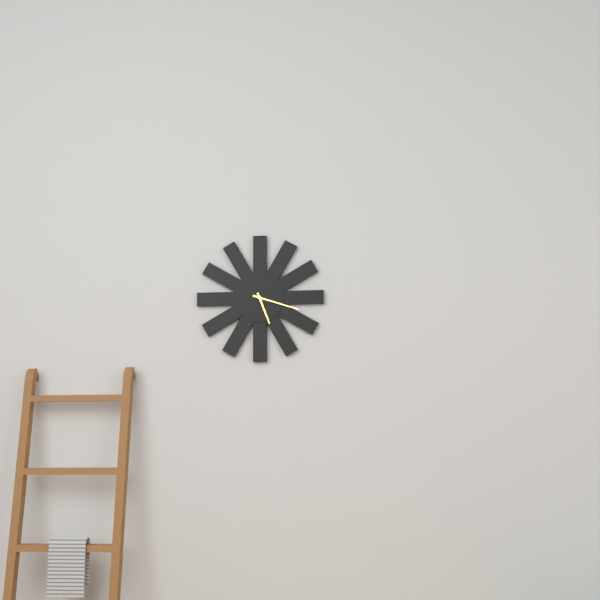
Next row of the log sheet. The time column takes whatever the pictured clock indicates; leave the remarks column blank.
5:18
